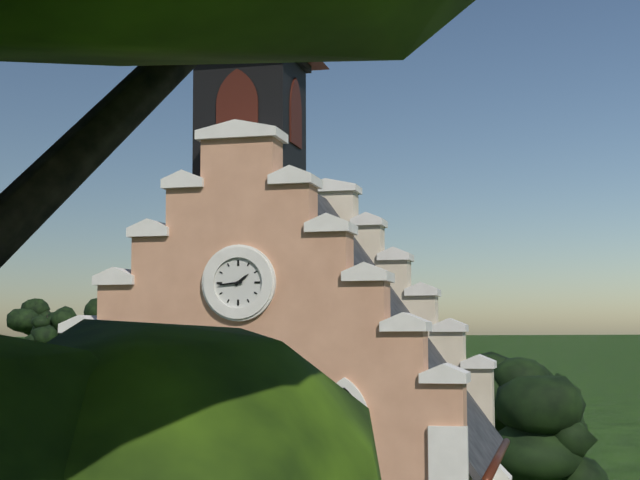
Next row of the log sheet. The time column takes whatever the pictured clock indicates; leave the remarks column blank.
1:44
